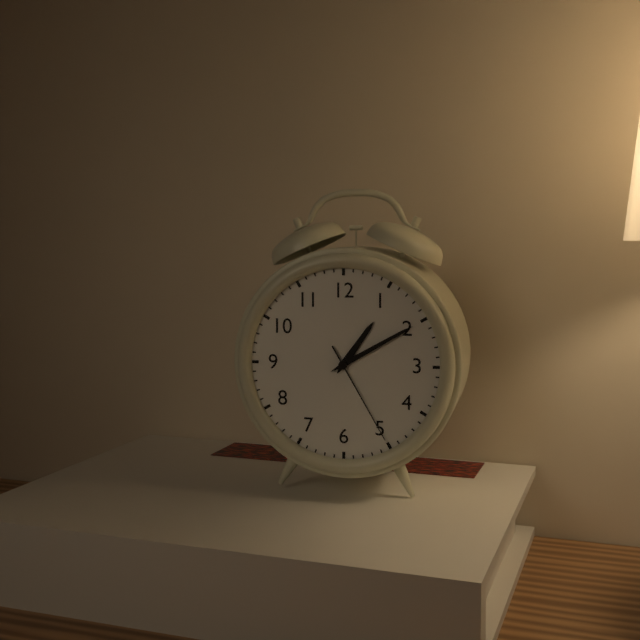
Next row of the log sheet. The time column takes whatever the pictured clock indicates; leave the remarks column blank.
1:10:25
